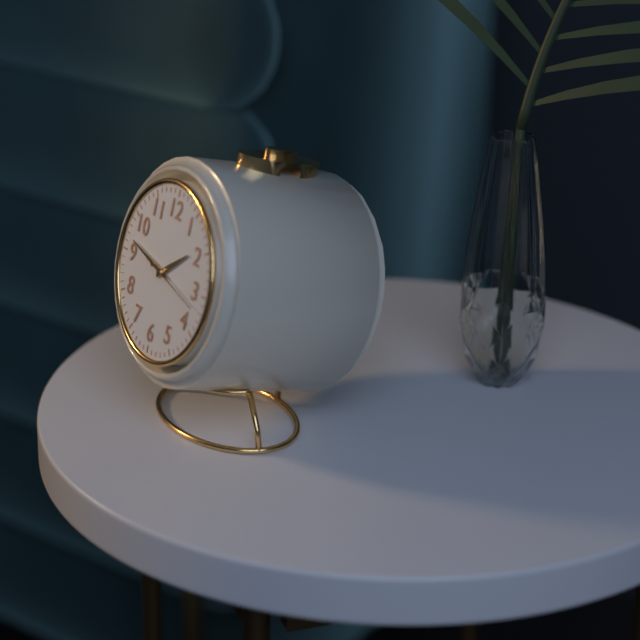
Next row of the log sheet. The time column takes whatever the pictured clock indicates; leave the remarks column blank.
1:47:17
